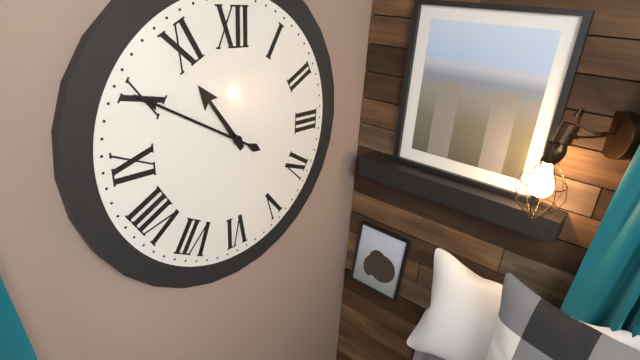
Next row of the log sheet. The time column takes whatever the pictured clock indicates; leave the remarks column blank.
10:50
